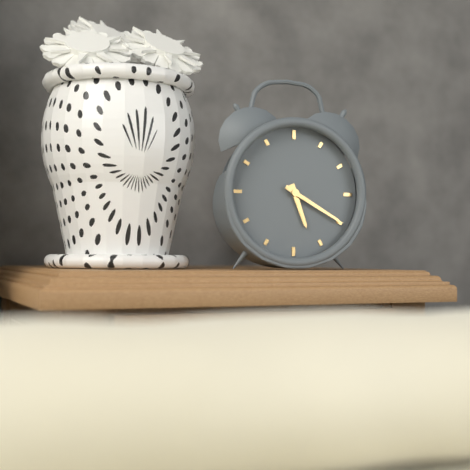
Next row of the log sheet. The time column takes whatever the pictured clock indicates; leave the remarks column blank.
5:20
